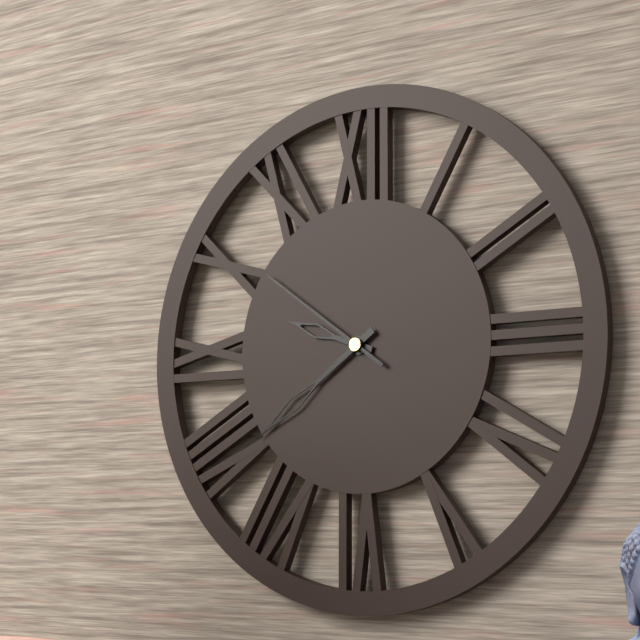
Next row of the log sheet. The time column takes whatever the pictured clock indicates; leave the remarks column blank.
9:39:51
